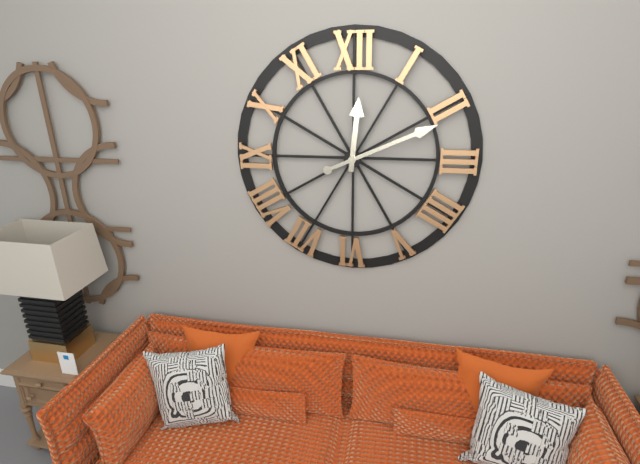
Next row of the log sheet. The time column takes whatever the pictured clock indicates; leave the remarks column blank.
12:11
